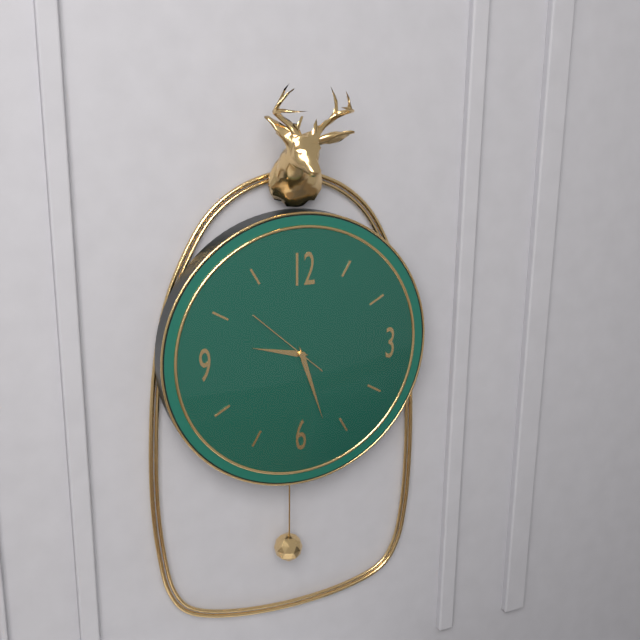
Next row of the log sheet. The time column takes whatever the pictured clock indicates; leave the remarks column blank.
9:27:52
